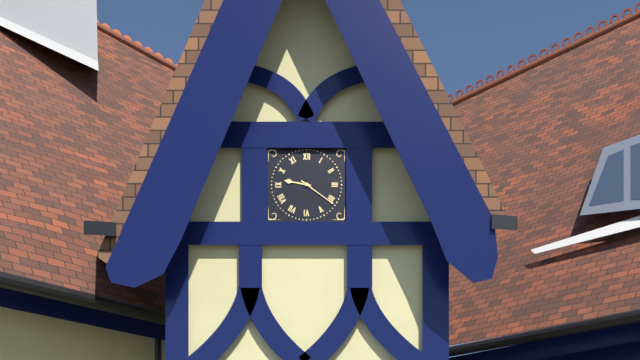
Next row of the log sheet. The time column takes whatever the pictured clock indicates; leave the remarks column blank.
9:21
